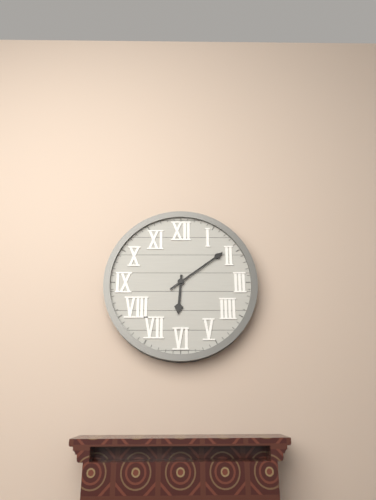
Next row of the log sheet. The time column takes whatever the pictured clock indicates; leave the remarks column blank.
6:09
